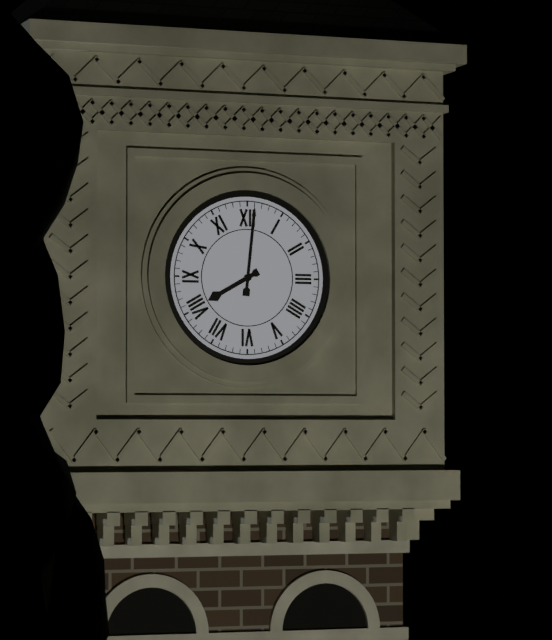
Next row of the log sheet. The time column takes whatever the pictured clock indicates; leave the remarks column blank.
8:01
